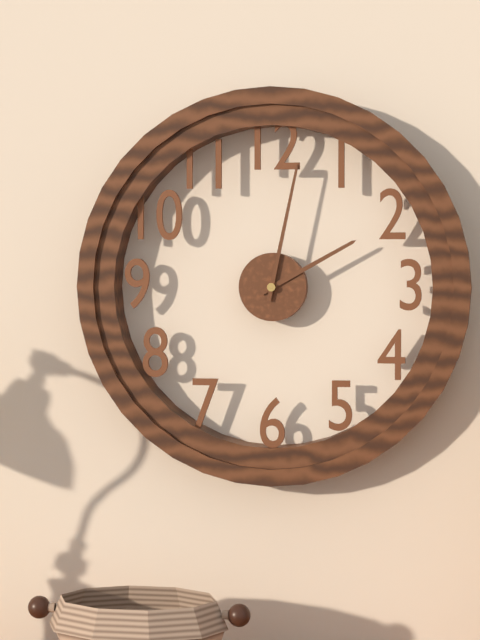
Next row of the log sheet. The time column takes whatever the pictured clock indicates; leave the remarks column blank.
2:02
